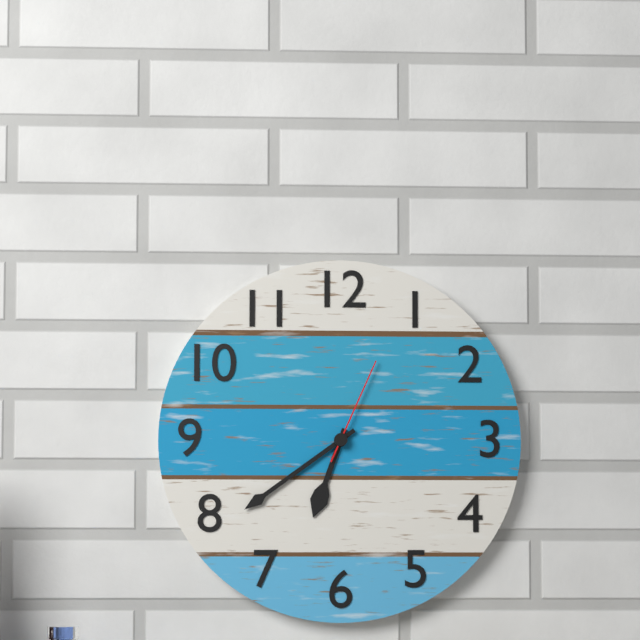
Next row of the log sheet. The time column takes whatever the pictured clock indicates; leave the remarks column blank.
6:39:04
